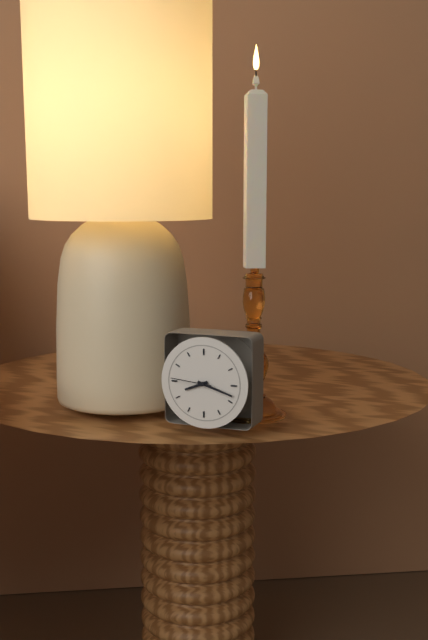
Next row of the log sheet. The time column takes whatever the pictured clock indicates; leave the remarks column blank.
8:18:46
